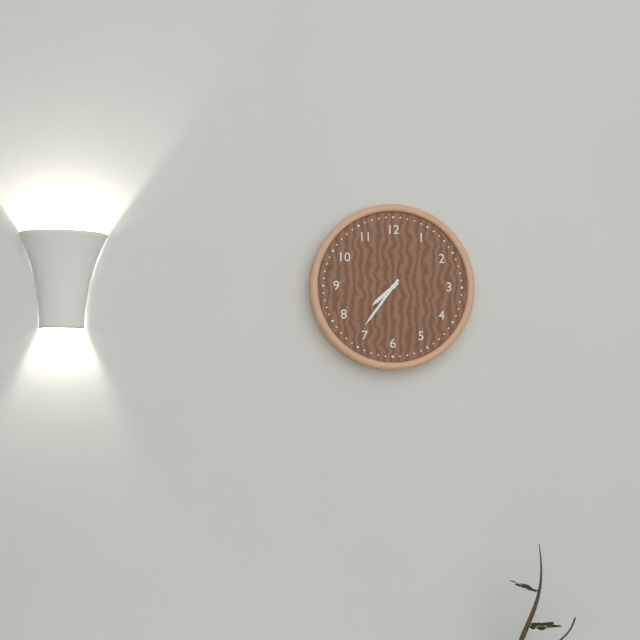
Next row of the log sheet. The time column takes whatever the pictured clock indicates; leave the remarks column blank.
7:36
